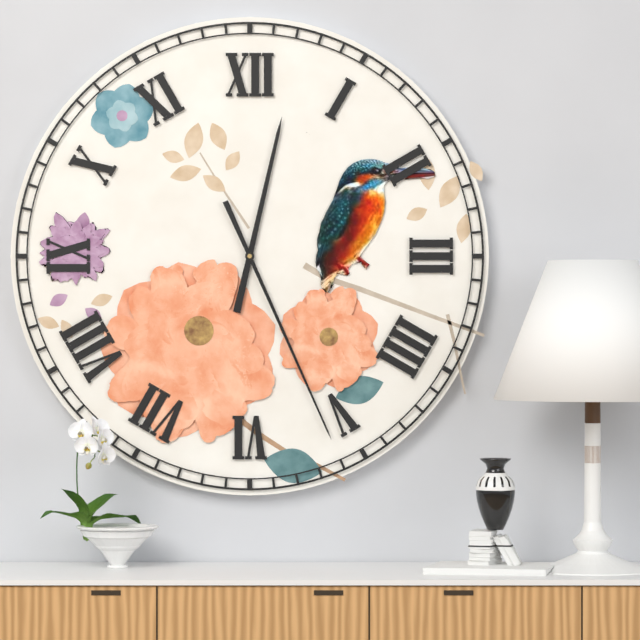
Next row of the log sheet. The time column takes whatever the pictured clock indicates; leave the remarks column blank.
12:26
